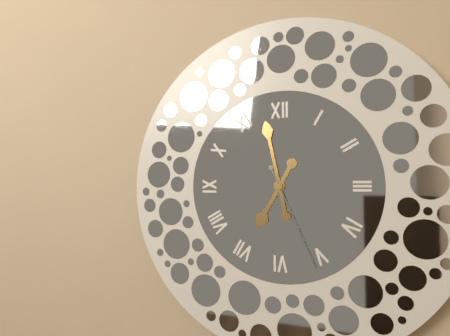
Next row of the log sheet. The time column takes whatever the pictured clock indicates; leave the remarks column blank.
6:58:26
